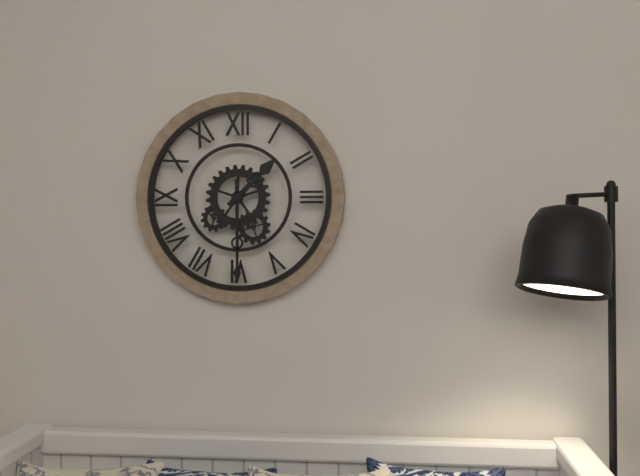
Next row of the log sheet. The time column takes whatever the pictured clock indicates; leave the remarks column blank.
1:30
